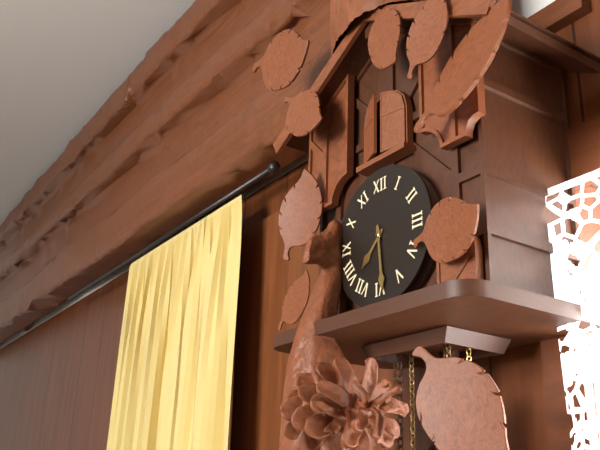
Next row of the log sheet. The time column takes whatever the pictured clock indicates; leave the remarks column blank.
7:29
